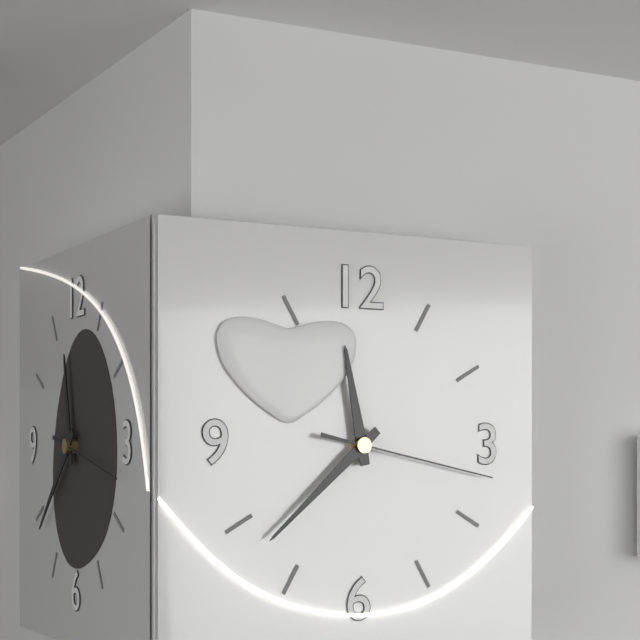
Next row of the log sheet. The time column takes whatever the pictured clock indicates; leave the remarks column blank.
11:38:17
